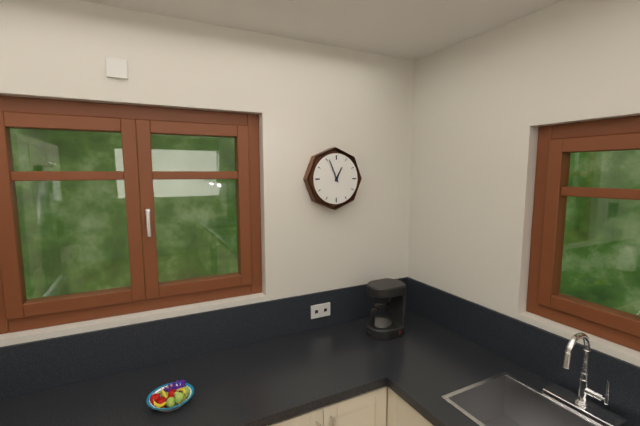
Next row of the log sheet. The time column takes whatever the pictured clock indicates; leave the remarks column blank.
12:56
